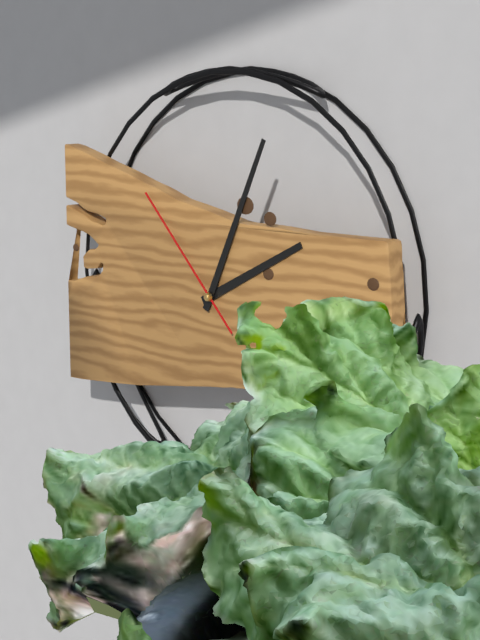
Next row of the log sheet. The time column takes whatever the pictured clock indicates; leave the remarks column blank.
2:04:53
